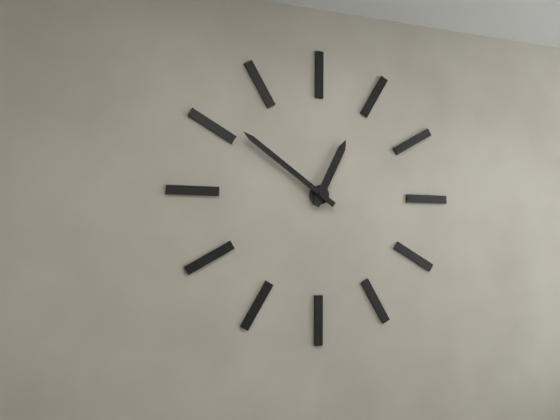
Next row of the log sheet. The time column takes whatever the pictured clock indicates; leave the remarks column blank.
12:51
